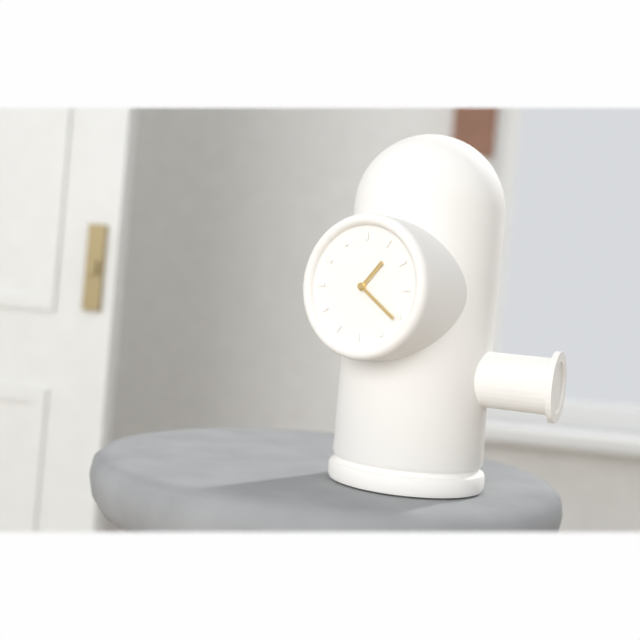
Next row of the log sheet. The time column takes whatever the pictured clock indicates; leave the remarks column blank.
1:21
